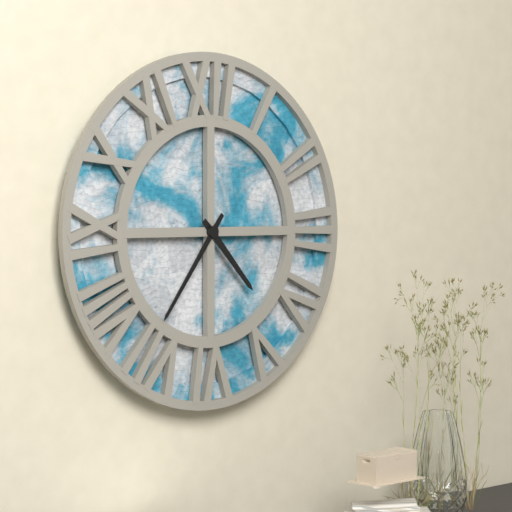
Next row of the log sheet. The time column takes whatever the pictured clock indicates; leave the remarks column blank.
4:36
